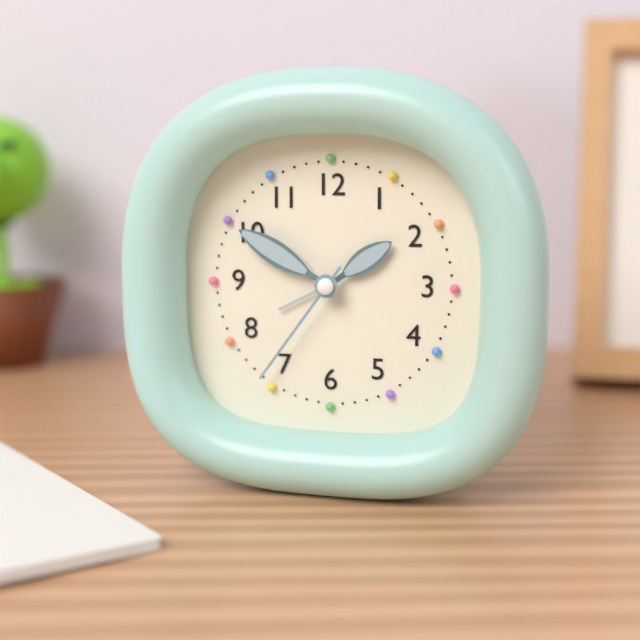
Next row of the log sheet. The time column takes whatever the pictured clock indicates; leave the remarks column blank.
1:50:36
